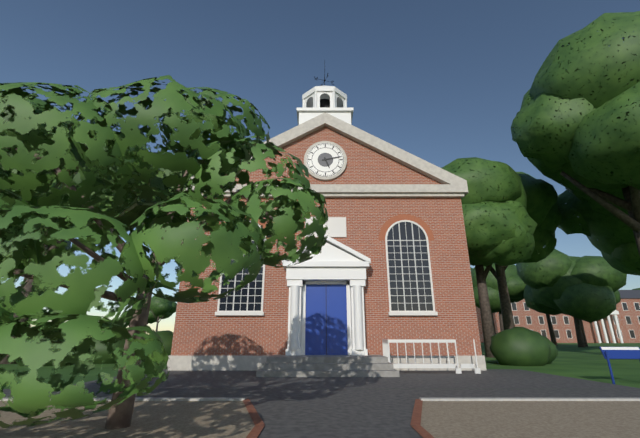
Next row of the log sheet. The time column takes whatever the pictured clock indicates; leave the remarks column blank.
5:13
